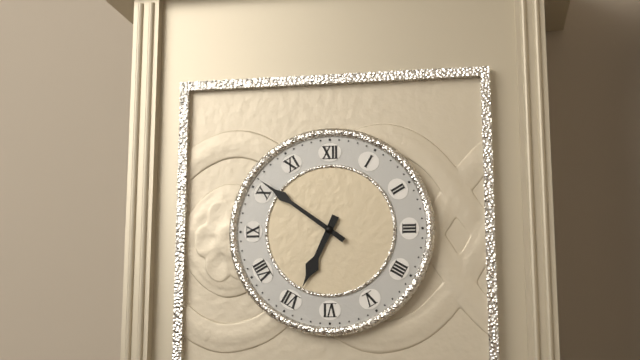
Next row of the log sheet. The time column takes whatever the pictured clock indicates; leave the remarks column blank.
6:51
